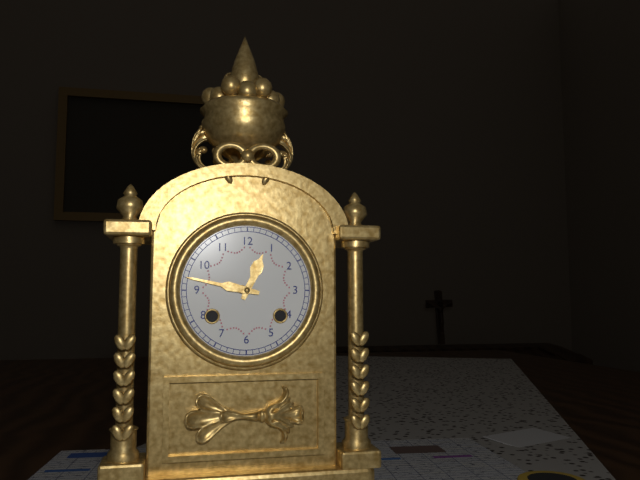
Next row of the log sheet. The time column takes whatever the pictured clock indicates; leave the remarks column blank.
12:47
